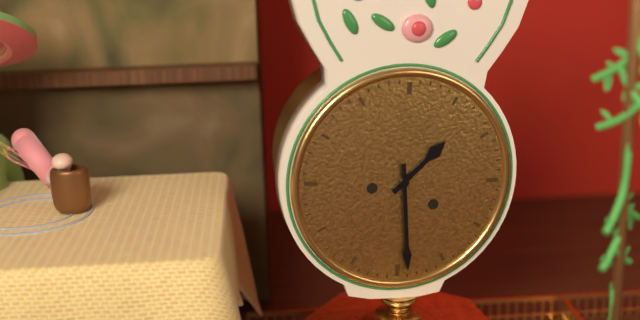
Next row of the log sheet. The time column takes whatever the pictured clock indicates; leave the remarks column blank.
1:29
